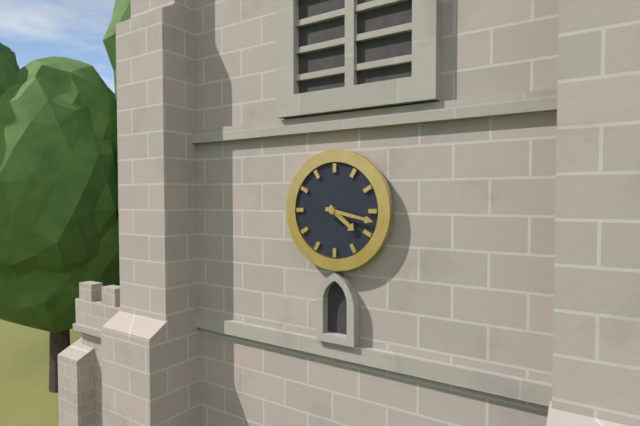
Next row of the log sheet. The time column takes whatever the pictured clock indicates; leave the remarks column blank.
4:17
